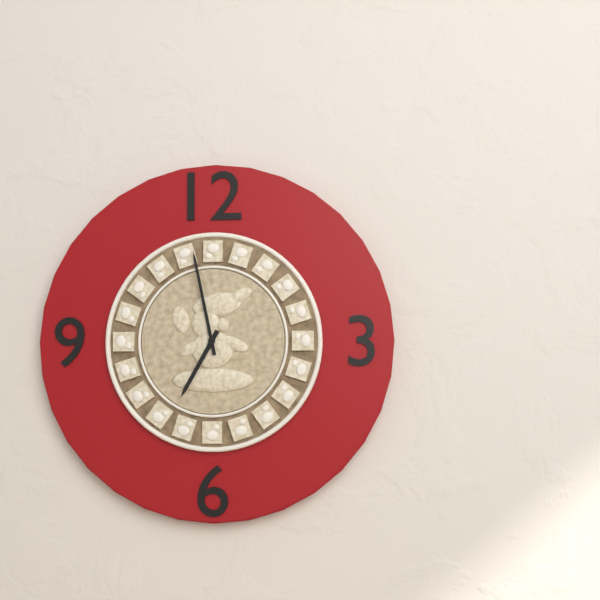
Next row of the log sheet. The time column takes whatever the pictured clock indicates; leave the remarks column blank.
6:58
